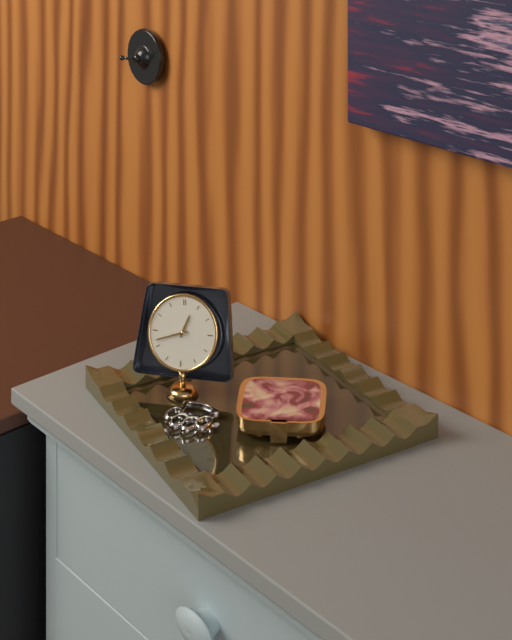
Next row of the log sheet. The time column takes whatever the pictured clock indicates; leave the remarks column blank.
12:42
